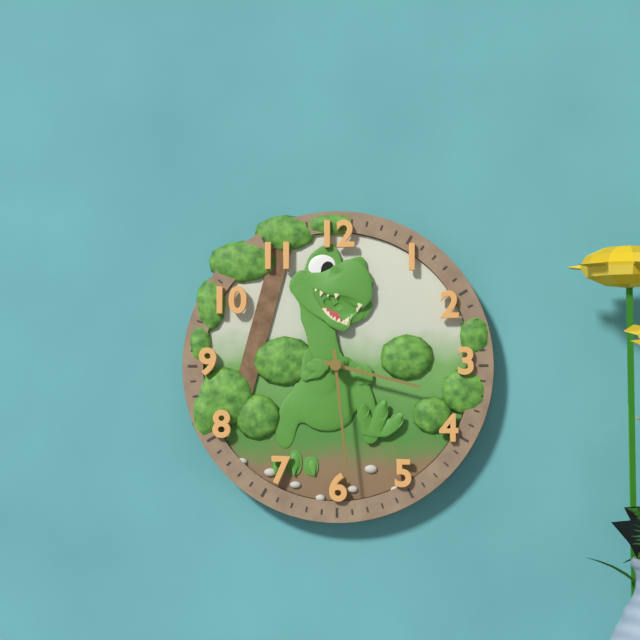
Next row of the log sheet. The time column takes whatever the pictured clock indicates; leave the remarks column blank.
3:29
